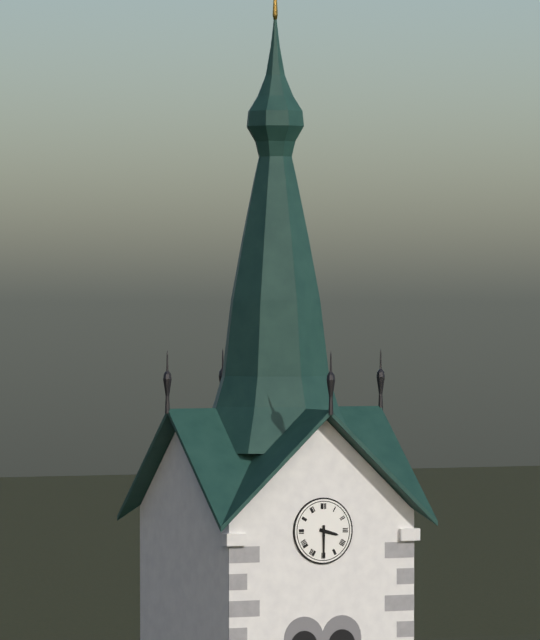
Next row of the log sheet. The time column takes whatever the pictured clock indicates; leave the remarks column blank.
3:30
